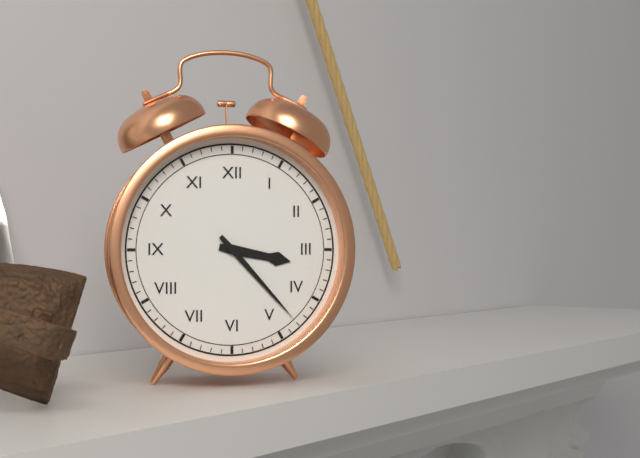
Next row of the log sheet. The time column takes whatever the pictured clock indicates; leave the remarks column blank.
3:23
